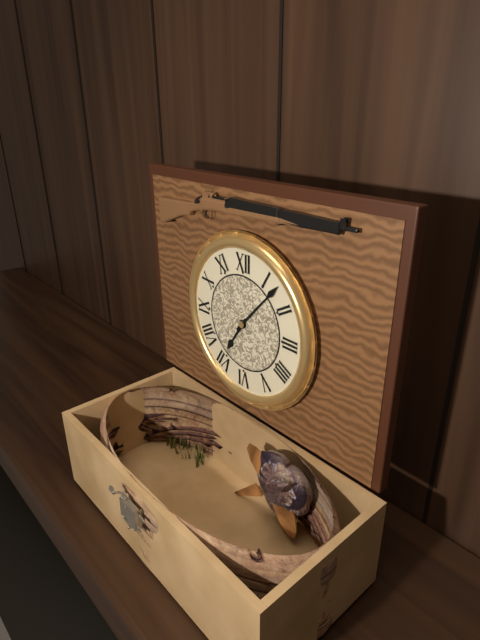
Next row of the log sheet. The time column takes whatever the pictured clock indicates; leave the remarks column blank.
7:07
